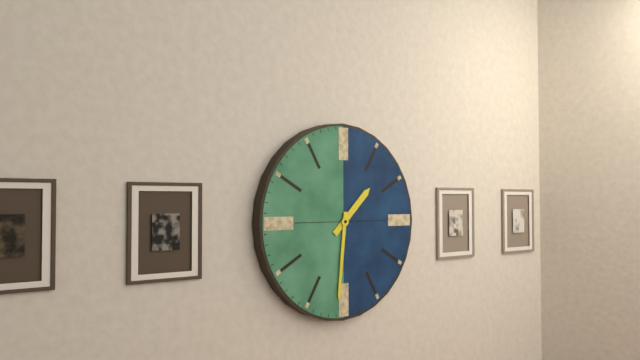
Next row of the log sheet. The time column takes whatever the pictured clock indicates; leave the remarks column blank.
1:31
